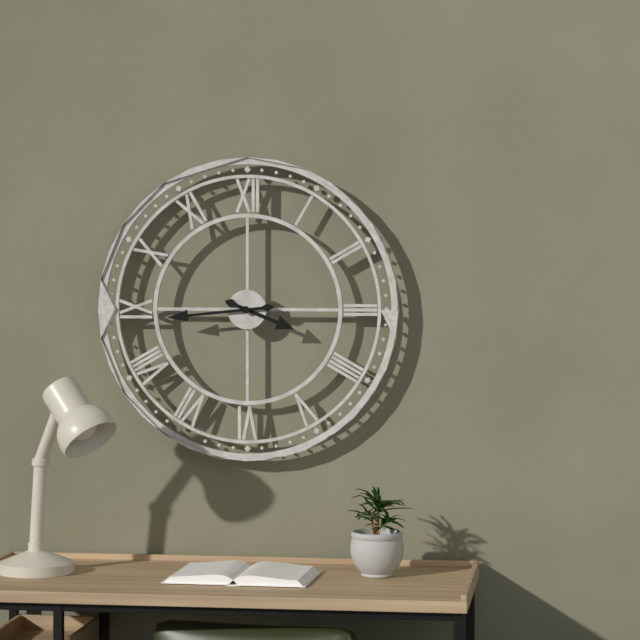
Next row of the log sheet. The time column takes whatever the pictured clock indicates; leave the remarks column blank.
3:44
